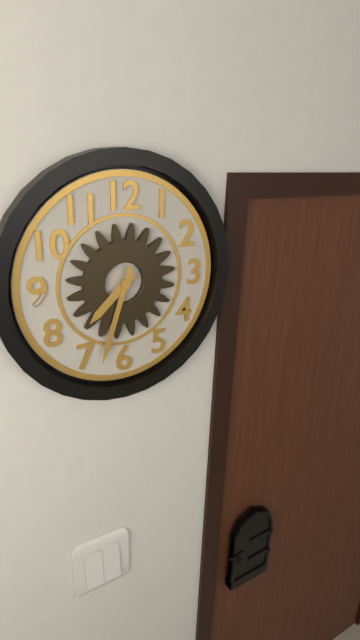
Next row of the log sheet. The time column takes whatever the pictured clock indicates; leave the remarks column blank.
7:33
